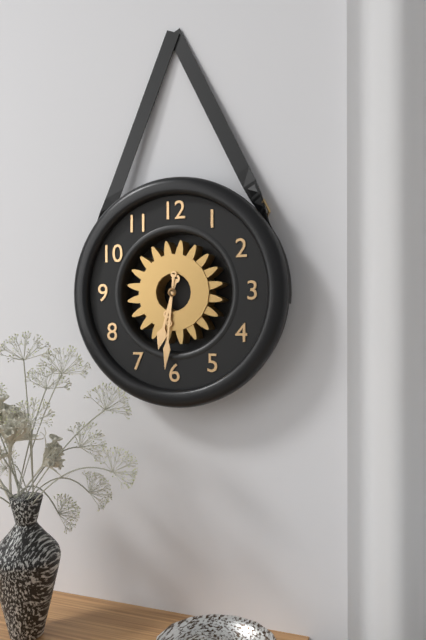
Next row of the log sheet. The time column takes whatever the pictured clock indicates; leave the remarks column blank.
6:31
